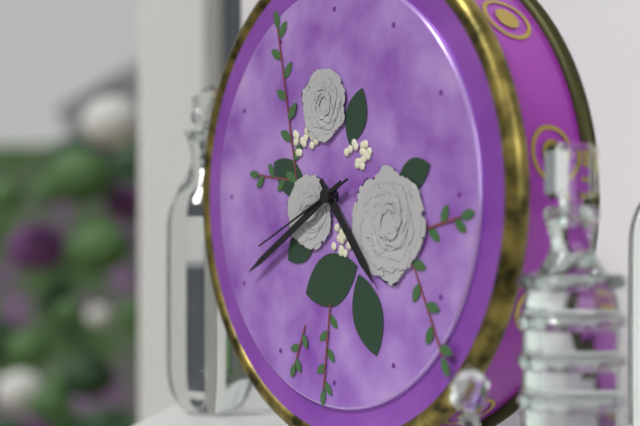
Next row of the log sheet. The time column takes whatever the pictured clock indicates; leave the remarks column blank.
4:40:41
